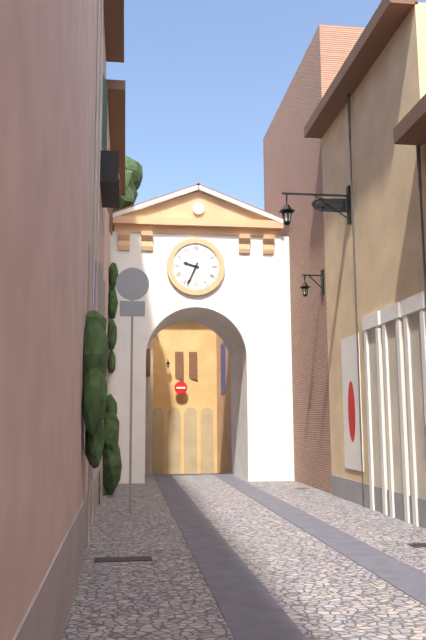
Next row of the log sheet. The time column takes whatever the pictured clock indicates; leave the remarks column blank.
9:34
